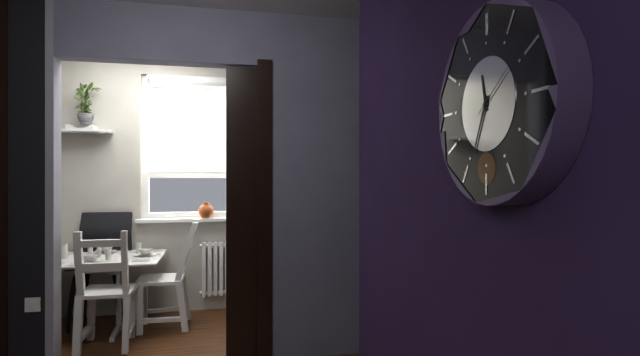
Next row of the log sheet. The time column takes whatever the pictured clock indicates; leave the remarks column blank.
11:34
